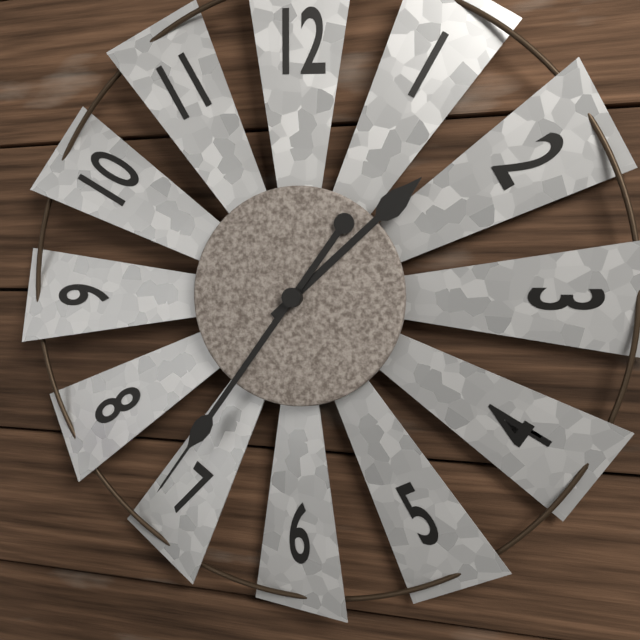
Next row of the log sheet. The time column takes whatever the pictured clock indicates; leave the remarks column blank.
1:36
